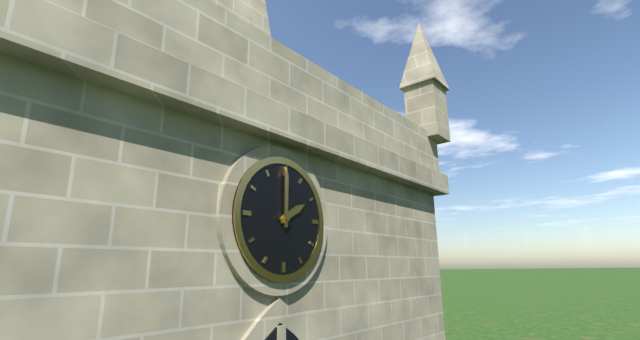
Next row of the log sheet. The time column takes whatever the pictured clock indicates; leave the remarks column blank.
2:00
